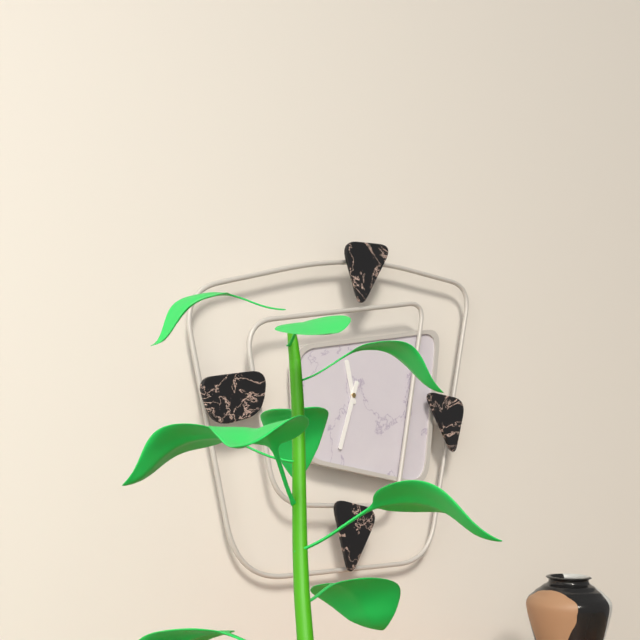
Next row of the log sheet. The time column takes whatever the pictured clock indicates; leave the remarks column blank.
11:33
